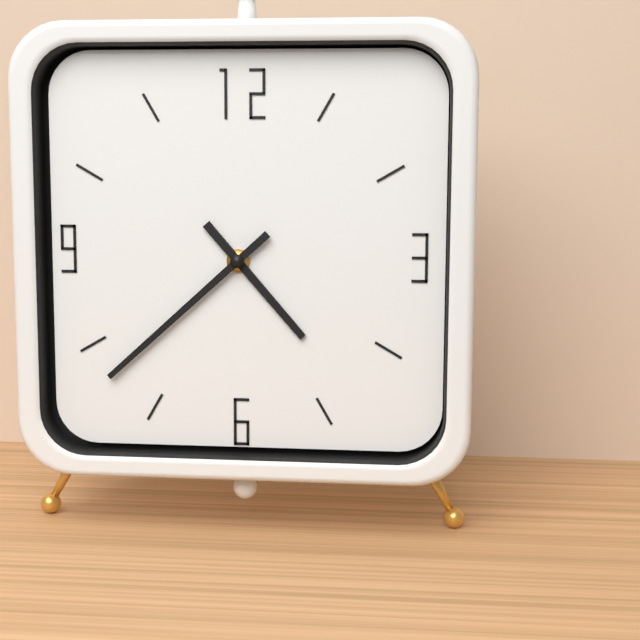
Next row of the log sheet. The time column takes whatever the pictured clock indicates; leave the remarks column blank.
4:38
